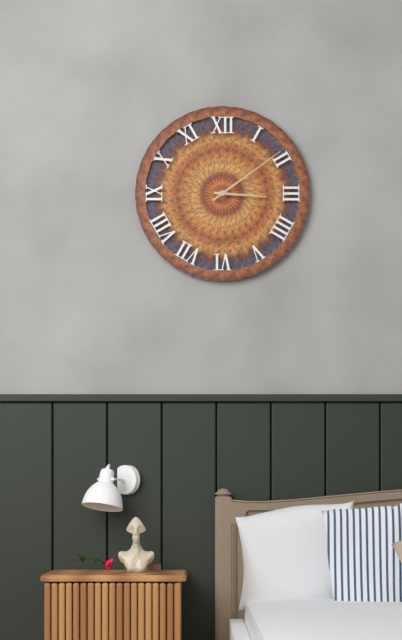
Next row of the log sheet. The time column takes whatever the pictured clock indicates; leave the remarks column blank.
3:09
